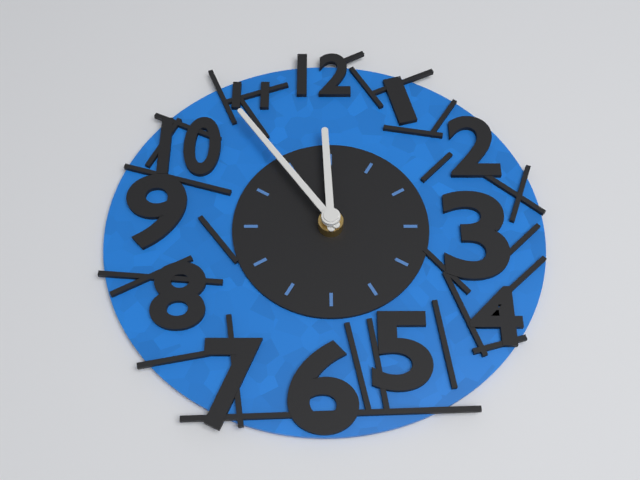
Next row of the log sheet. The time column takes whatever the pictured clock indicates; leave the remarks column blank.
11:54
